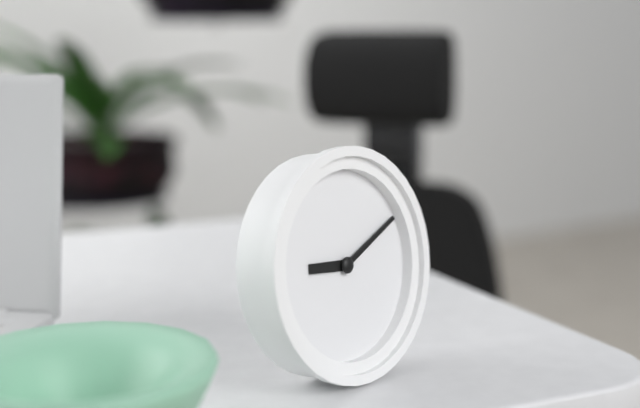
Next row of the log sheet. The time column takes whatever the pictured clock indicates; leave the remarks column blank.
9:11
